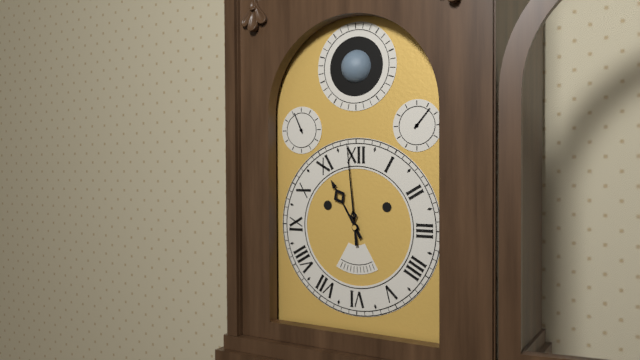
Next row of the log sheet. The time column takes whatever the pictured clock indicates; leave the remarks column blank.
10:59
